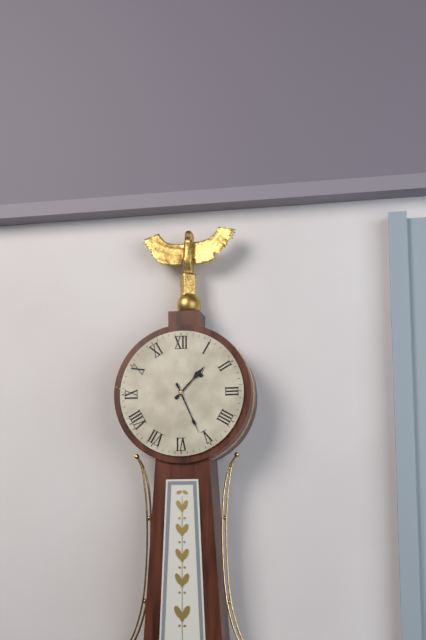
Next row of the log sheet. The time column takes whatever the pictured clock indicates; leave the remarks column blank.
1:26
